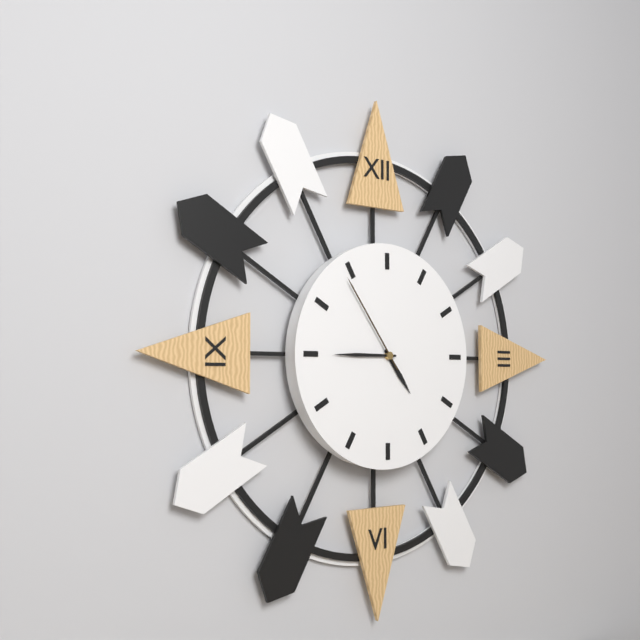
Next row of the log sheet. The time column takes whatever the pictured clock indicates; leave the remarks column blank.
4:45:54
